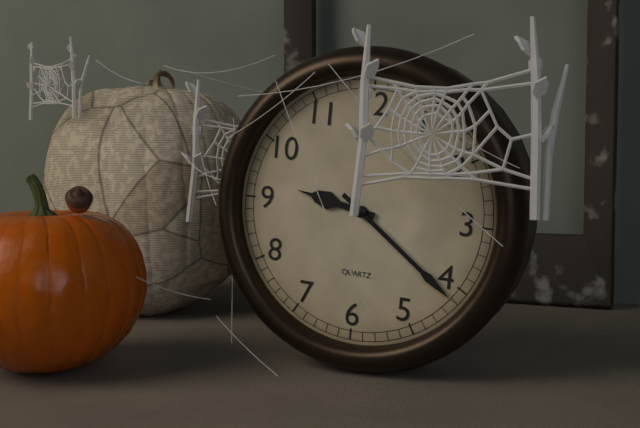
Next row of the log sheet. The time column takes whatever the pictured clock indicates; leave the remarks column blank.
9:21
